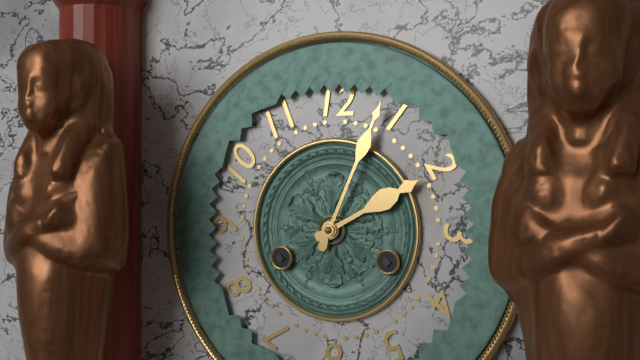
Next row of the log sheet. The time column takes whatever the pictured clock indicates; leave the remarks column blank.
2:04
